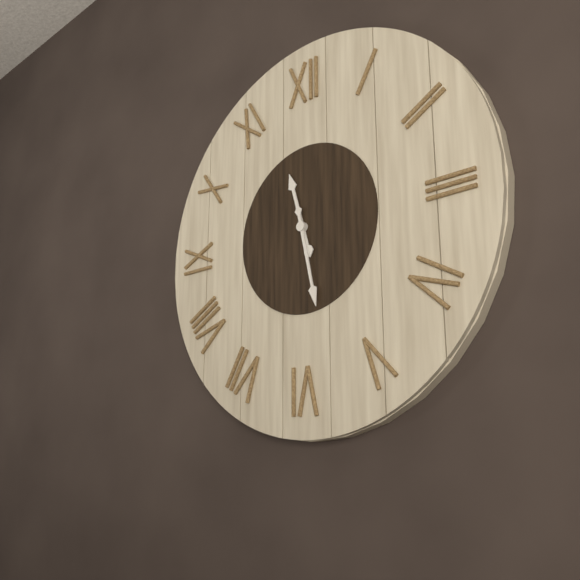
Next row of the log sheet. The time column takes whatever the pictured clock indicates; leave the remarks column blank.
11:28
